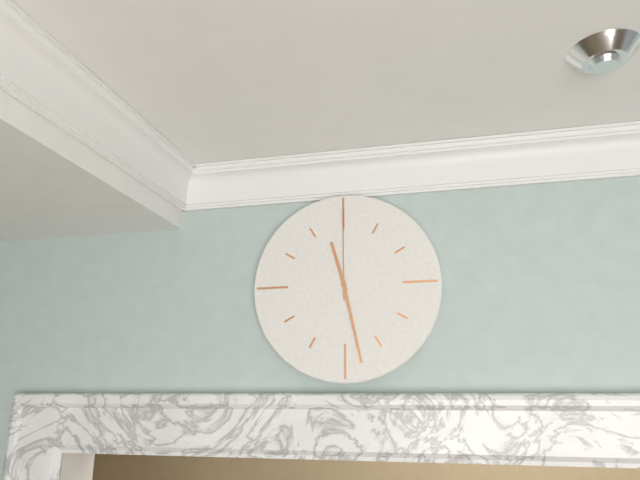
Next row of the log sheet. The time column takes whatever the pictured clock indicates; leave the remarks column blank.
11:28:00
